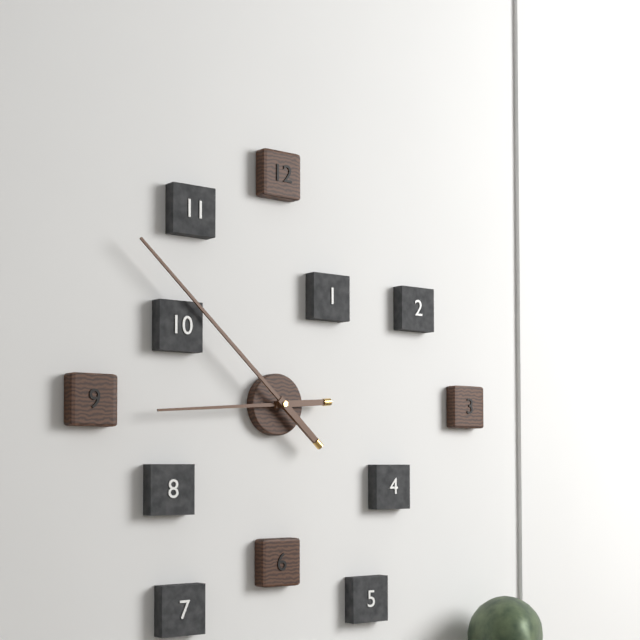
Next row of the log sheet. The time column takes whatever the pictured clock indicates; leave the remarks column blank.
8:52
